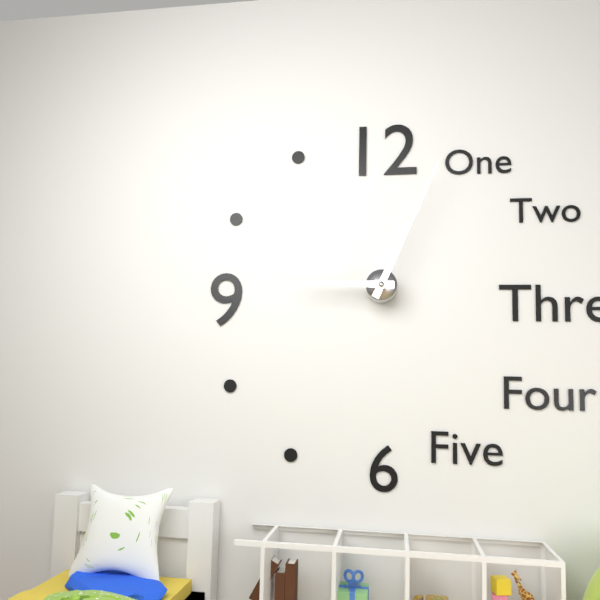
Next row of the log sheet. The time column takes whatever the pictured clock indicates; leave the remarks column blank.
9:04
